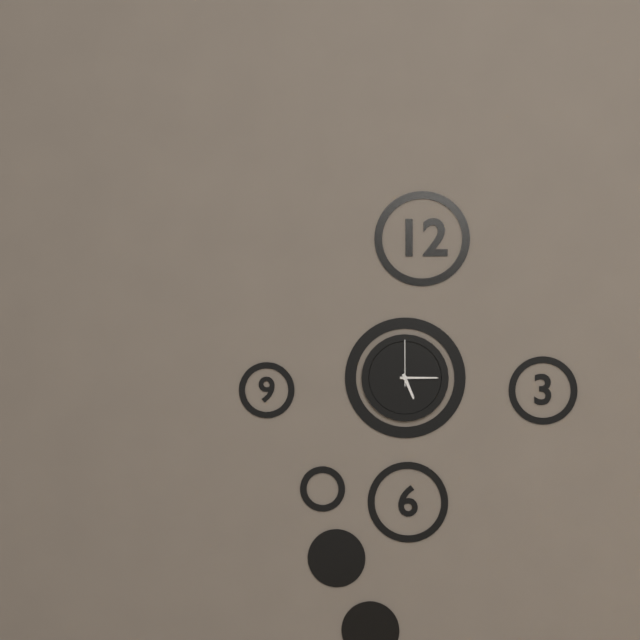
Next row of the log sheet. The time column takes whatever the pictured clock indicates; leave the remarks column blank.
5:15
